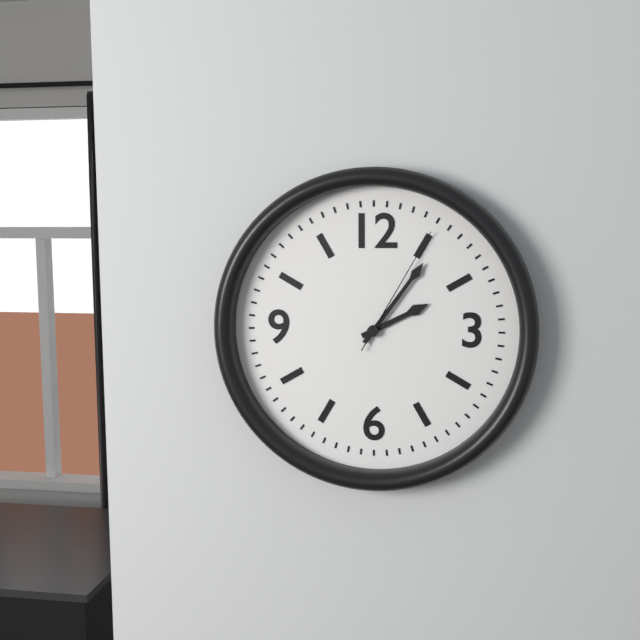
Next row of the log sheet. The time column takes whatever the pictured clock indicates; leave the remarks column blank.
2:06:05
